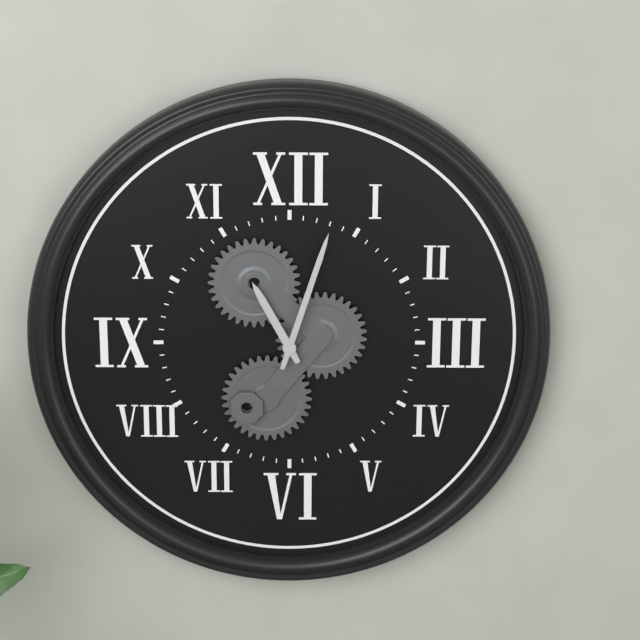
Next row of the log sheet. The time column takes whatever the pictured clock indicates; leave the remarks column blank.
11:03
